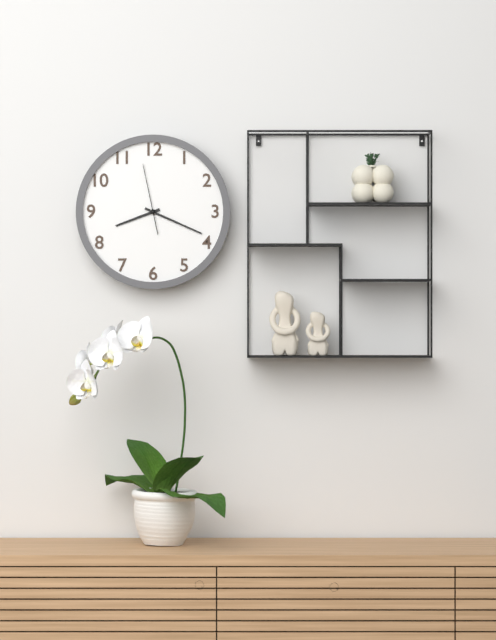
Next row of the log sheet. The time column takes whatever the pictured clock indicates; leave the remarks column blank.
8:19:58
